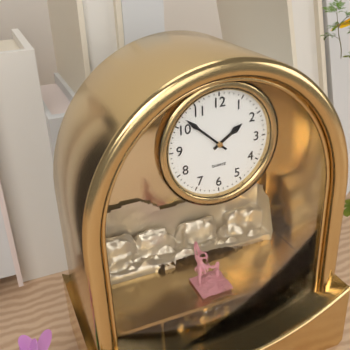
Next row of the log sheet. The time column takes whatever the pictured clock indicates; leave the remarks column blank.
1:52
